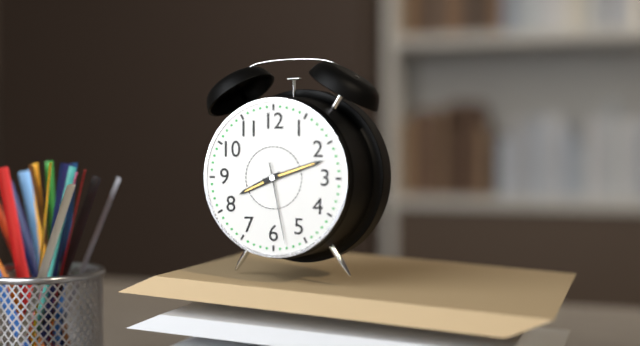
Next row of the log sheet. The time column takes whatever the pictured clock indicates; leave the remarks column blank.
8:12:28
